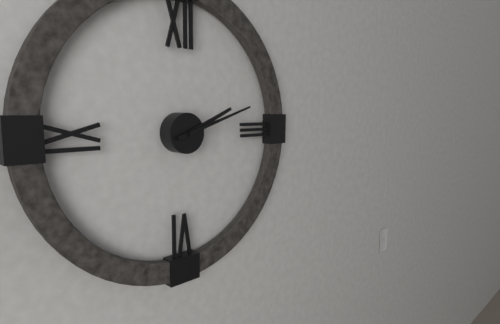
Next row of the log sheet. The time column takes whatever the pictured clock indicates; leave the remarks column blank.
2:12
